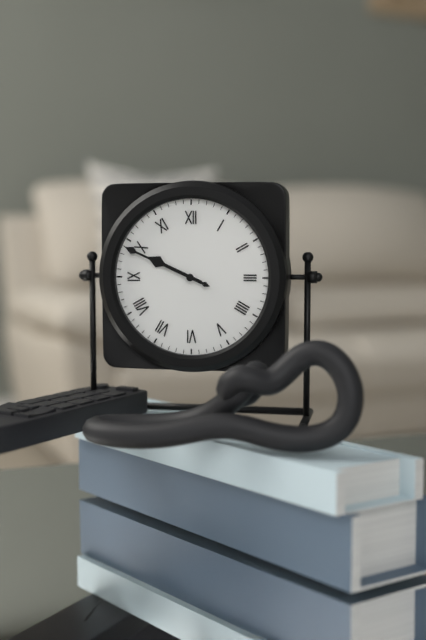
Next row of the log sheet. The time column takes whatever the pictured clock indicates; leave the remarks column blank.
9:49
